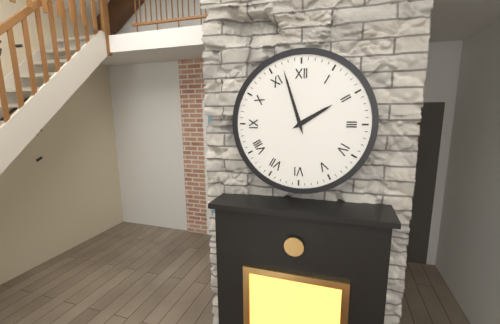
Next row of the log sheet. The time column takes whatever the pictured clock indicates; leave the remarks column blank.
1:57
